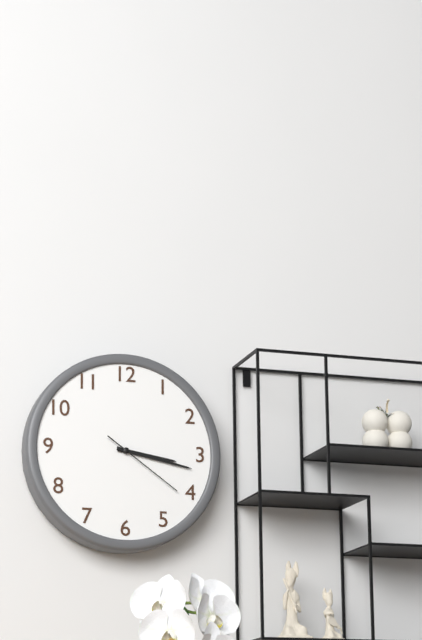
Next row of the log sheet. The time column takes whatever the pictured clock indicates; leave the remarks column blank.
3:17:21
